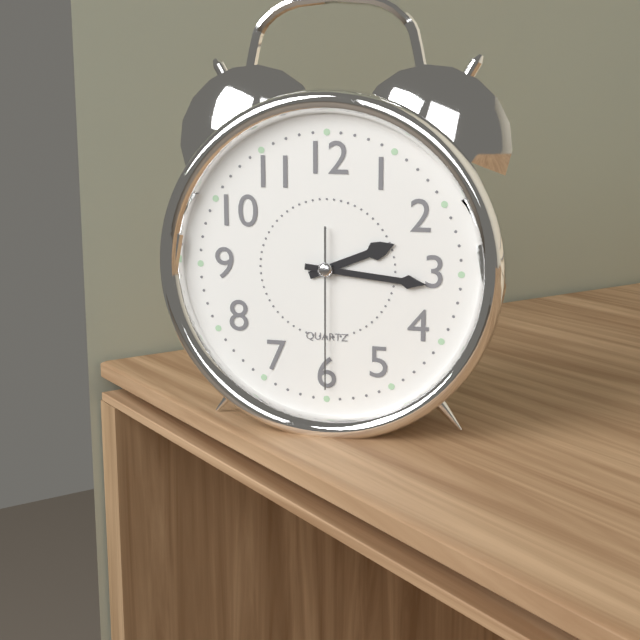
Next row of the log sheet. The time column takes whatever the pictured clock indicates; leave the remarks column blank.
2:16:30
